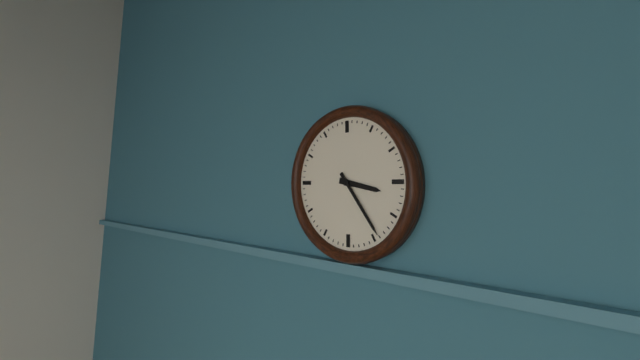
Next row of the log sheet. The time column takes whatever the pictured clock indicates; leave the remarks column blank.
3:24
